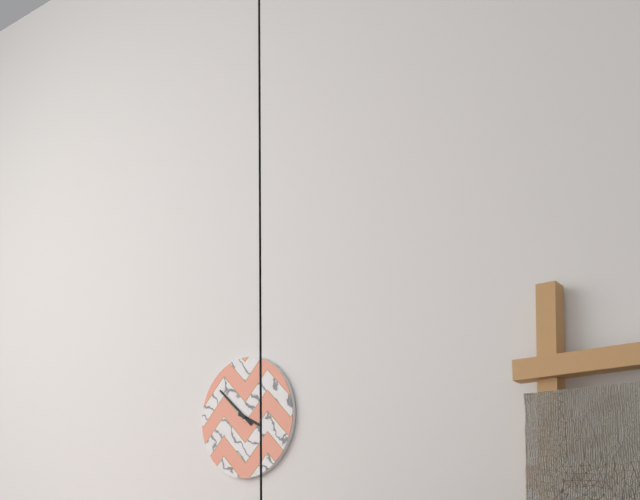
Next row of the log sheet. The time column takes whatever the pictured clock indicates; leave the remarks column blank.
3:52
